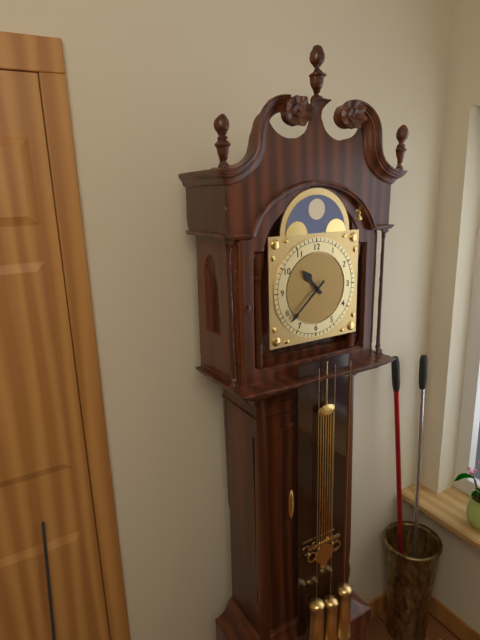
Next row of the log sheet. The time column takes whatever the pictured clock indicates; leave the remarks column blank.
10:38
